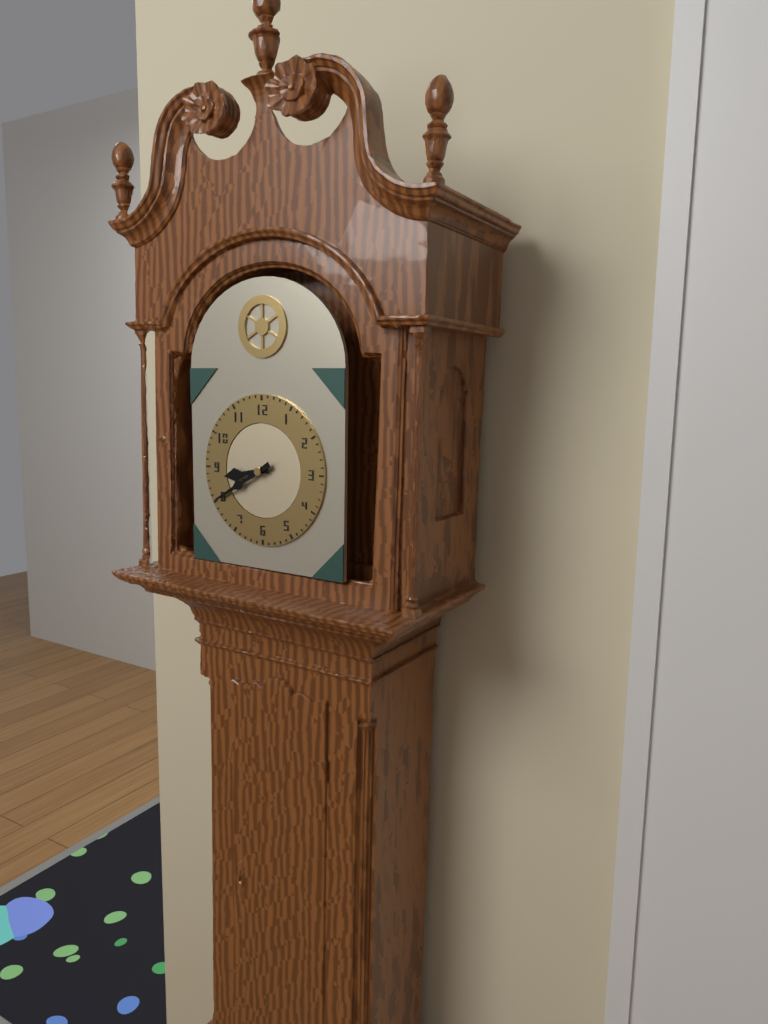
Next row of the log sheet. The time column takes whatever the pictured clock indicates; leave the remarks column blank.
8:40
